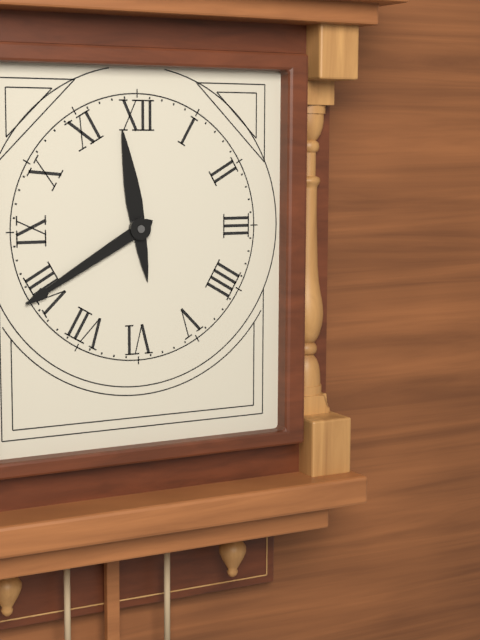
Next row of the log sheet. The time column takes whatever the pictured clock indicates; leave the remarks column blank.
11:40
